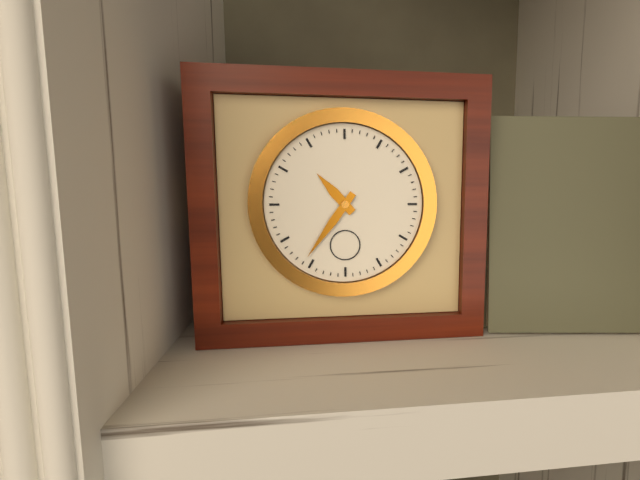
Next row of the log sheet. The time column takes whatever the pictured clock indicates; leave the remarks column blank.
10:36
